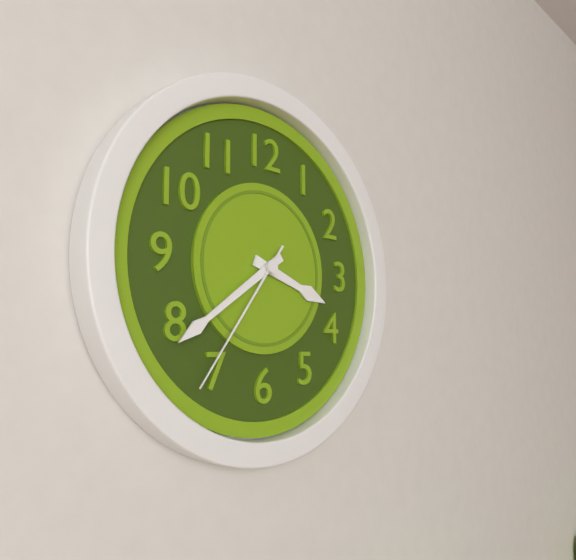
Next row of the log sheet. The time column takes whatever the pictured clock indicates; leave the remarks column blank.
3:39:36
